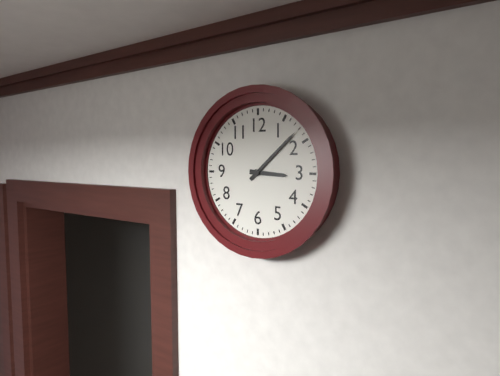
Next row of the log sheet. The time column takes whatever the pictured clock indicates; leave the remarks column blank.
3:08
